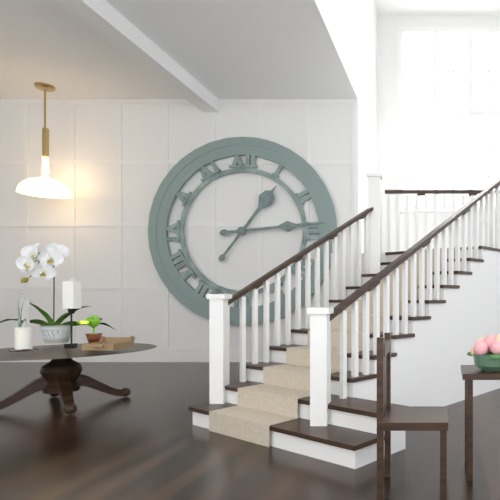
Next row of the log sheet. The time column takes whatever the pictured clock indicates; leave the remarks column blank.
1:14
